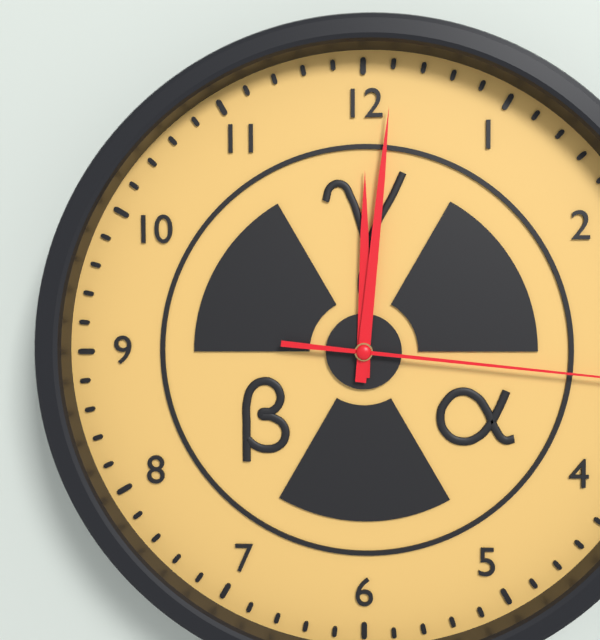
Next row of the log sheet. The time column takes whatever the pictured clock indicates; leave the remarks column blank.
12:01
